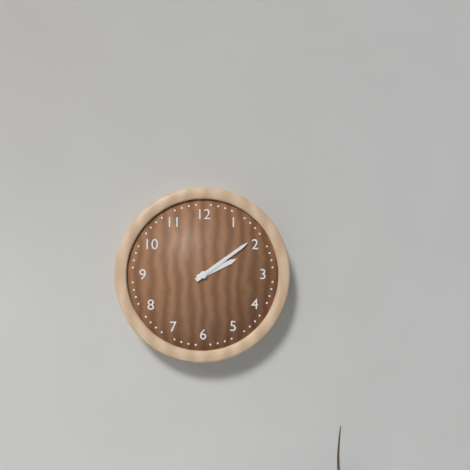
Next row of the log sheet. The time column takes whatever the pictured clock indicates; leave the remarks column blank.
2:09
